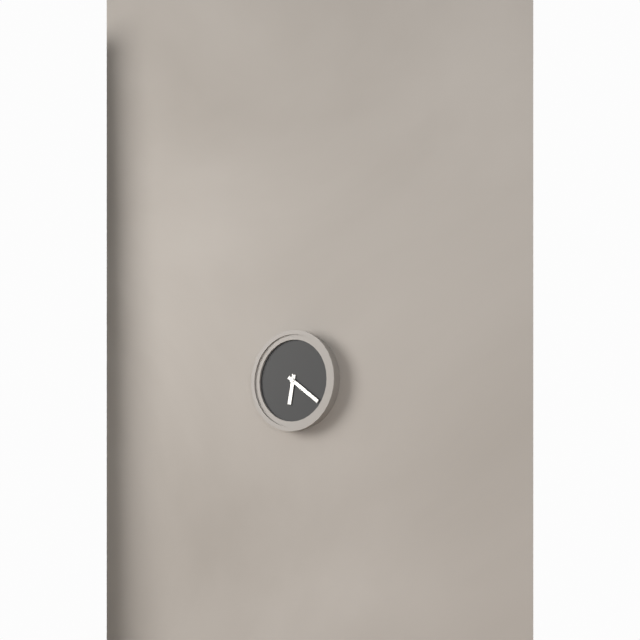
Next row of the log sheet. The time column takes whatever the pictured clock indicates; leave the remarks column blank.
6:21
